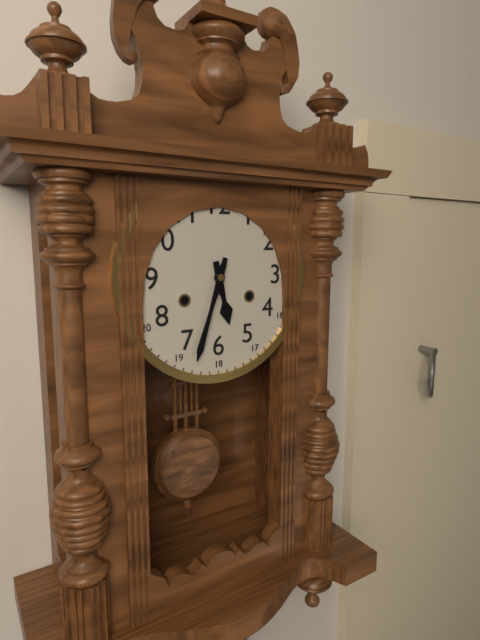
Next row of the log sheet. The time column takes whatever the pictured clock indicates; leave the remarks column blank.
5:33
